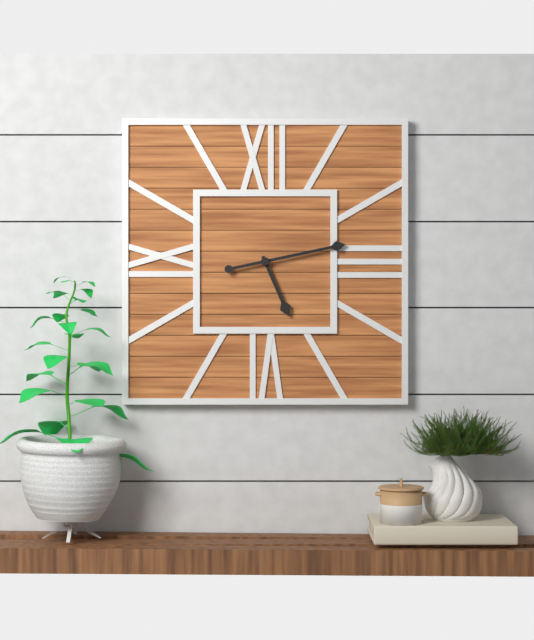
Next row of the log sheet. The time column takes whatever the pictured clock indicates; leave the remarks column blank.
5:13
